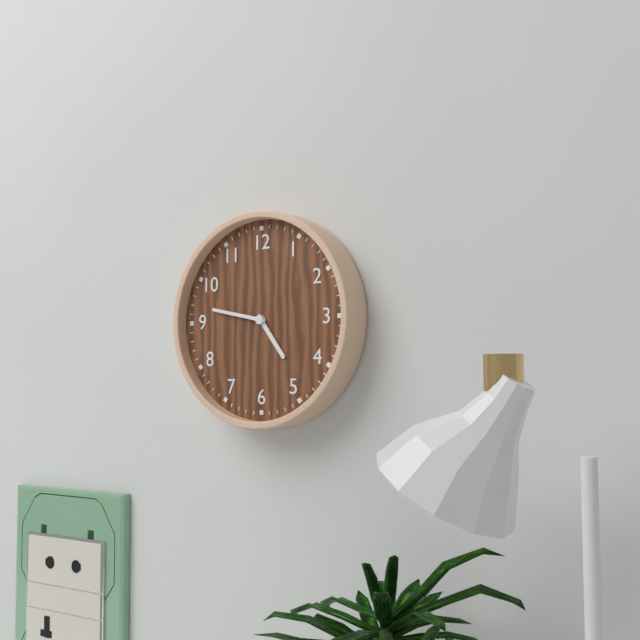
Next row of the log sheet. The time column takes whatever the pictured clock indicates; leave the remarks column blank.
4:47
